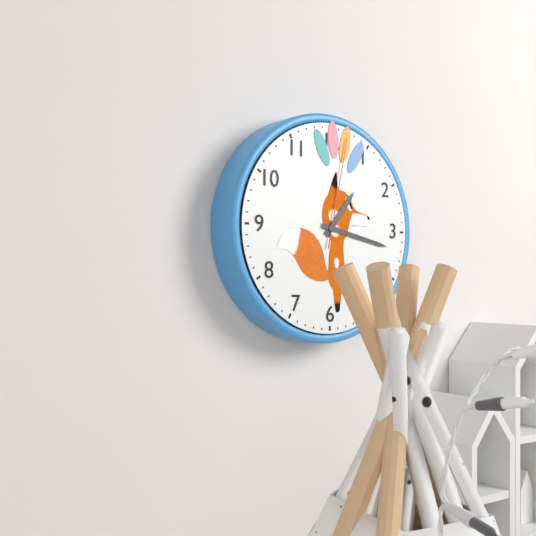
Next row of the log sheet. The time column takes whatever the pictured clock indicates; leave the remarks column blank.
1:17:02
